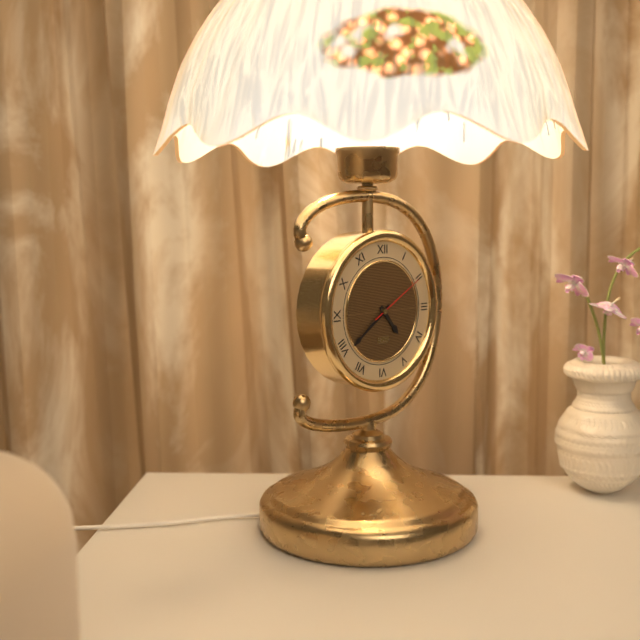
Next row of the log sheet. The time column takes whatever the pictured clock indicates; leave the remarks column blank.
4:39:10
